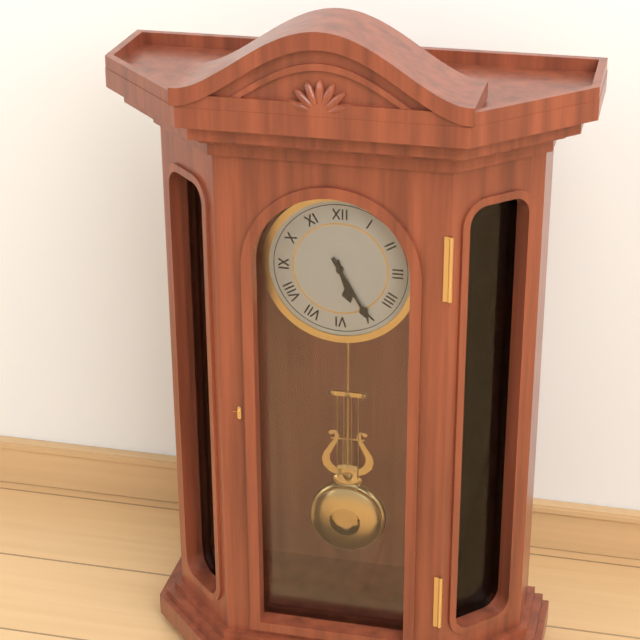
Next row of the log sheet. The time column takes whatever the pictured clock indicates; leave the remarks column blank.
5:25
